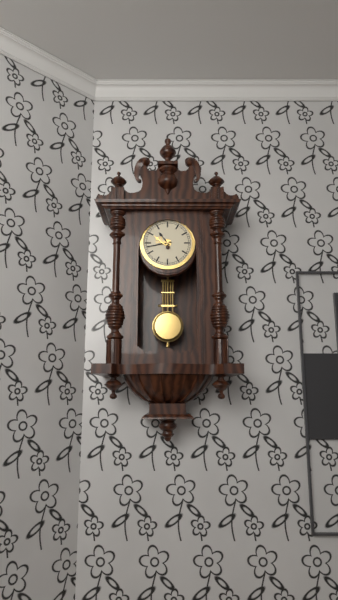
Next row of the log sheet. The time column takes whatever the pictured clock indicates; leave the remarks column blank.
10:43
